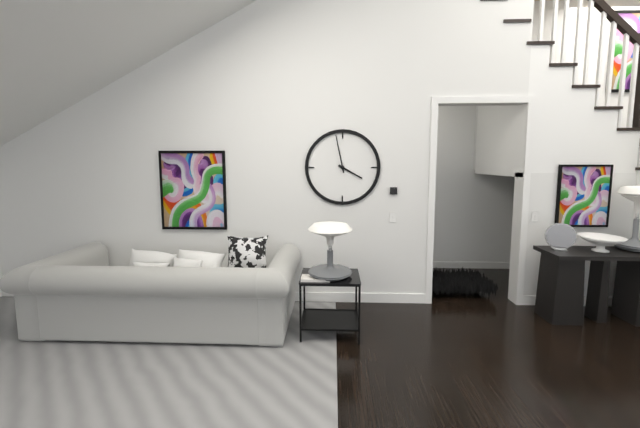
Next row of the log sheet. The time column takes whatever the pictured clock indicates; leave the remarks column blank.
3:58
